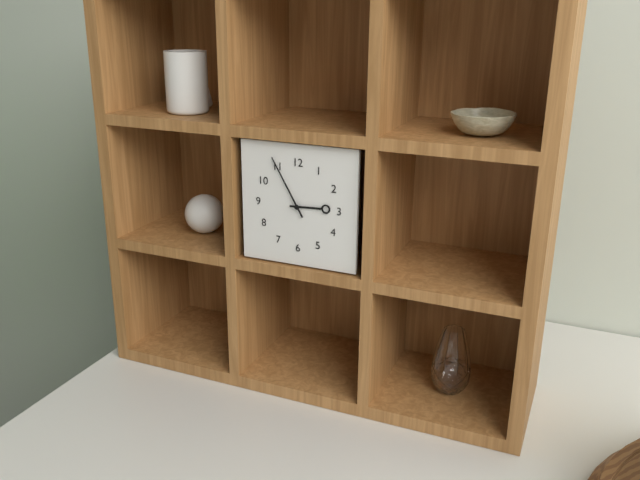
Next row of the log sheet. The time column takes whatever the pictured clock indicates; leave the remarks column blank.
2:55
